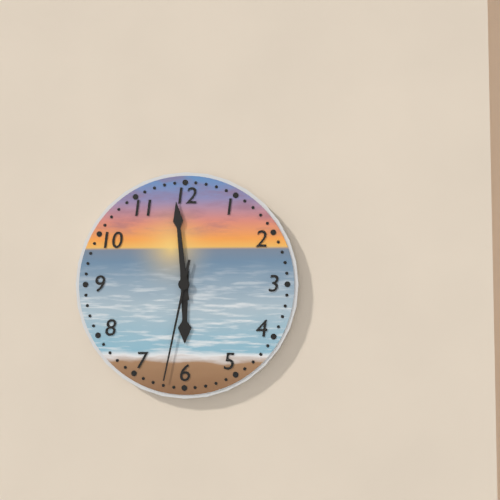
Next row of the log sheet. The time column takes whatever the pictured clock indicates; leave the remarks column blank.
5:59:32
